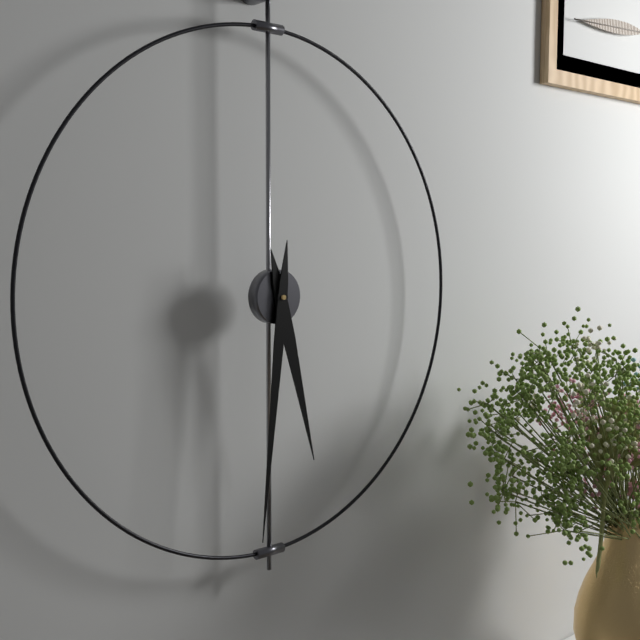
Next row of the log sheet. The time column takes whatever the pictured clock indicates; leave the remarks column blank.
5:31
